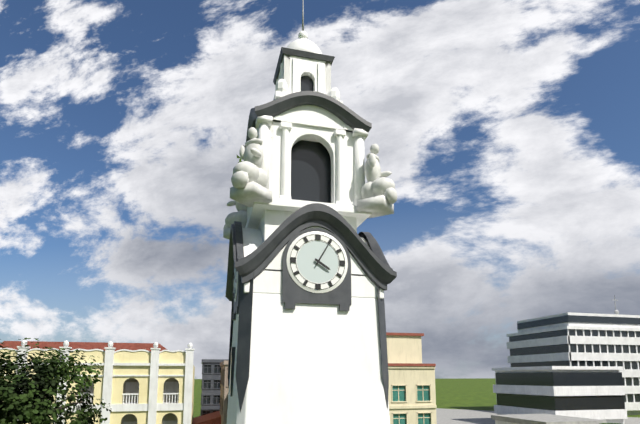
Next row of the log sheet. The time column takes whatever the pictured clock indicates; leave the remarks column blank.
4:05
